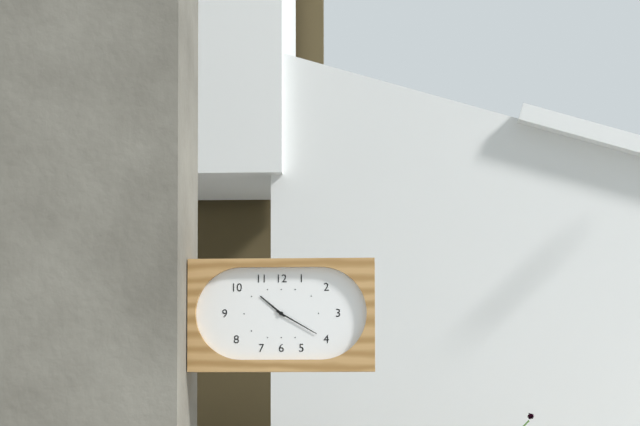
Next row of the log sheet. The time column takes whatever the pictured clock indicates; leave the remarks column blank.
10:20
